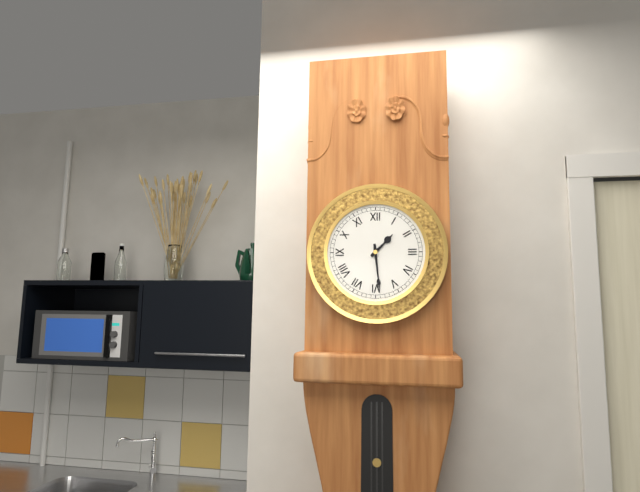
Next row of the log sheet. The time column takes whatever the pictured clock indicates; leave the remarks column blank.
1:29
